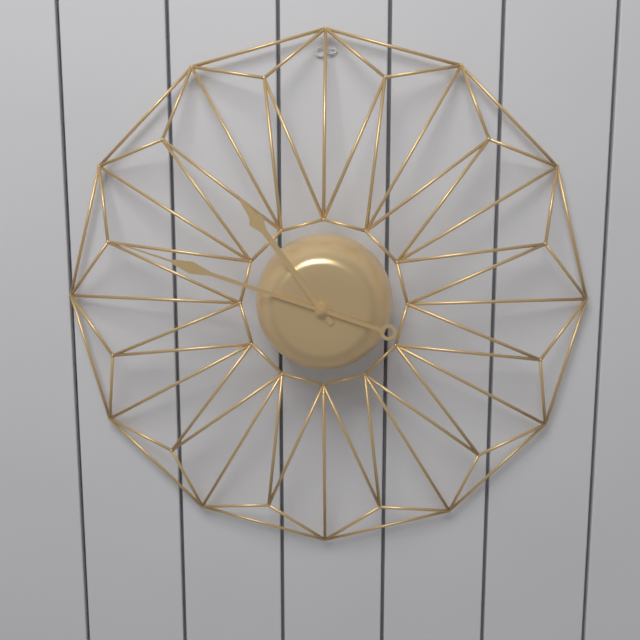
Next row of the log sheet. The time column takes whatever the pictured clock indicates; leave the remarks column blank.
10:48
